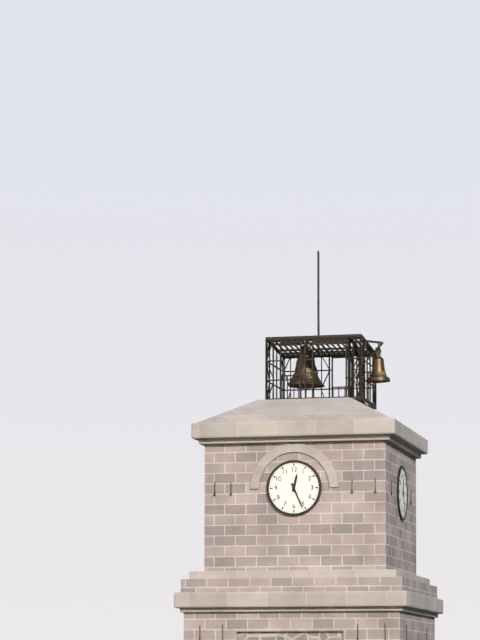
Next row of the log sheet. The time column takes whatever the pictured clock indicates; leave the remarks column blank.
12:26
